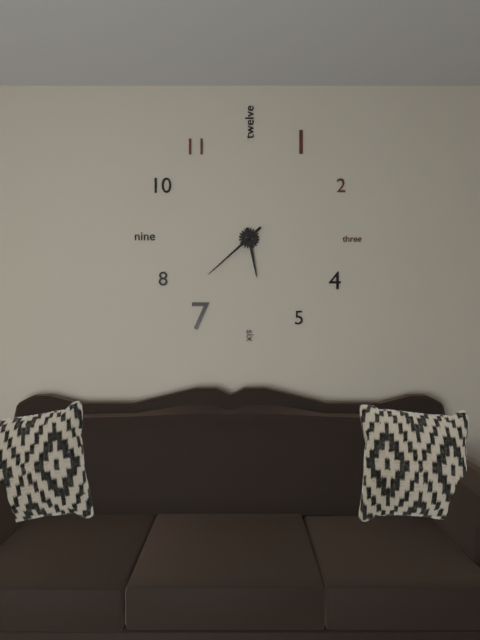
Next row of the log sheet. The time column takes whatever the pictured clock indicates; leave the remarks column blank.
5:38
